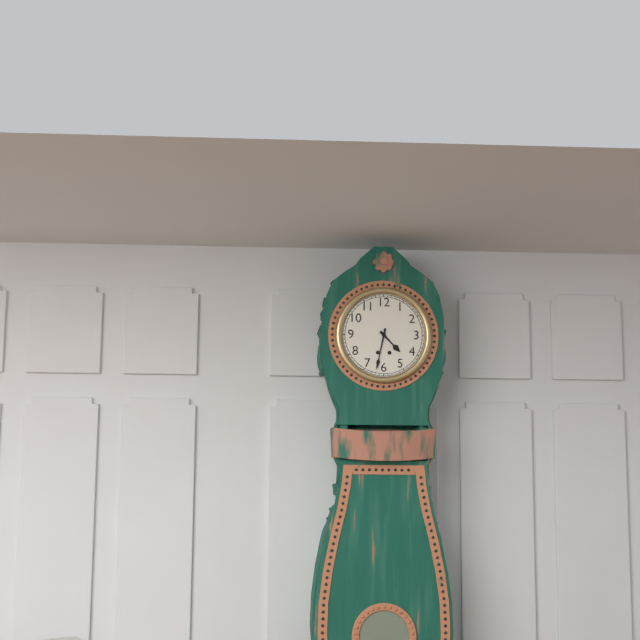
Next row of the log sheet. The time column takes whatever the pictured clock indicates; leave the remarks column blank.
4:32
